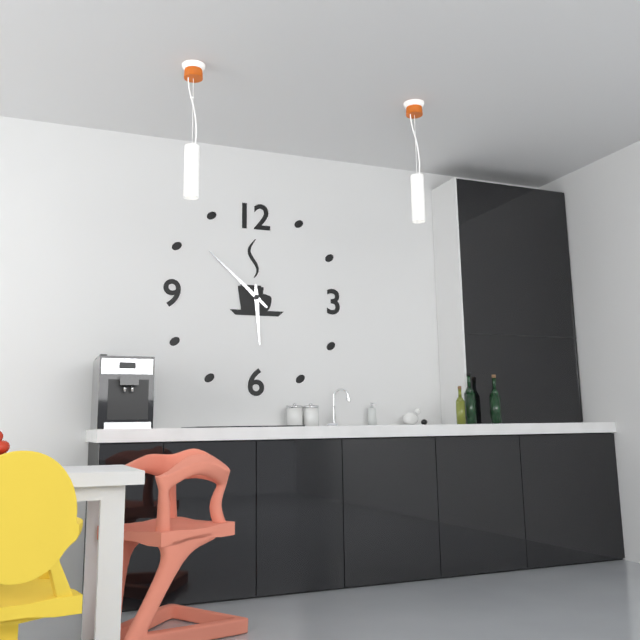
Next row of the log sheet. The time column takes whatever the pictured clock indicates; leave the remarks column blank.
5:52
